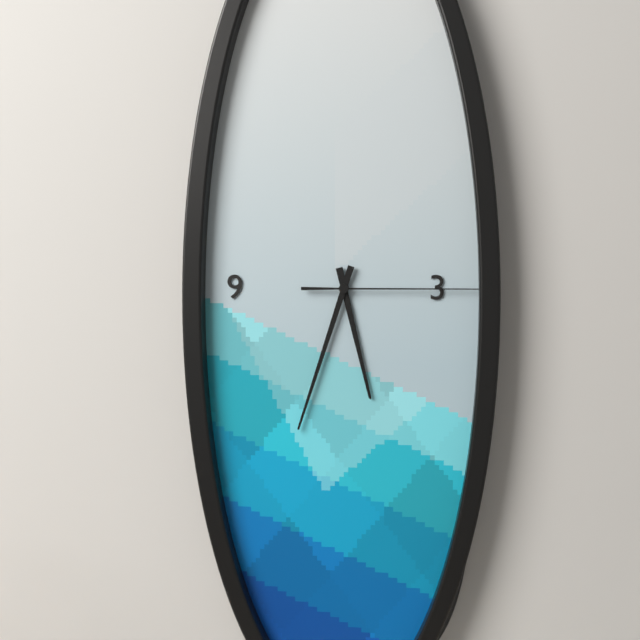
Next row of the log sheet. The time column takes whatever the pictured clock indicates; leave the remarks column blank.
5:33:15
